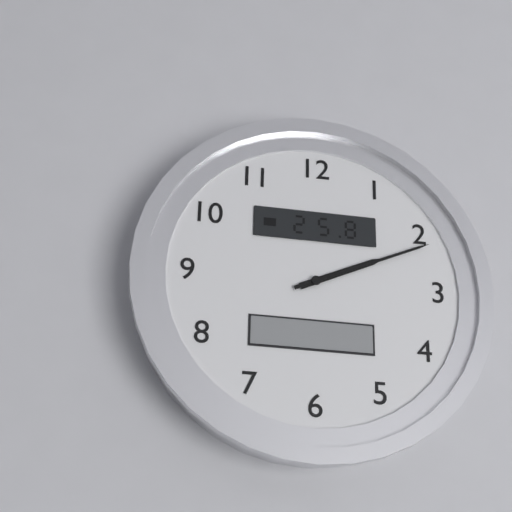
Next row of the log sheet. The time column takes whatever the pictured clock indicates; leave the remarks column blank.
2:11
